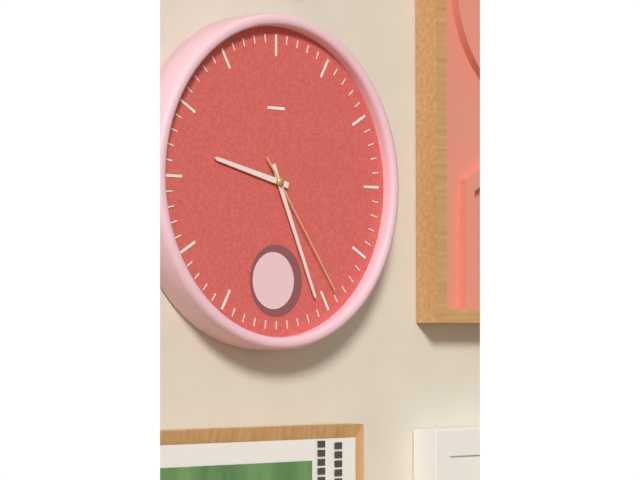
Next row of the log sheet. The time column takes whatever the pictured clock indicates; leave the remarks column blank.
9:26:24
